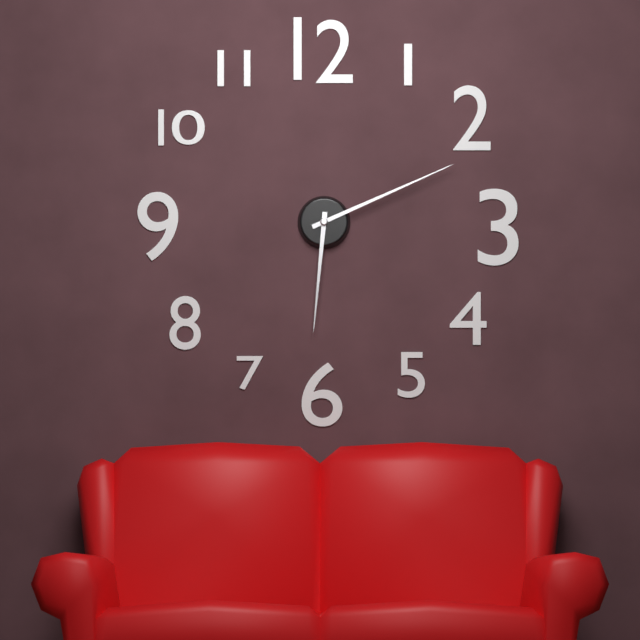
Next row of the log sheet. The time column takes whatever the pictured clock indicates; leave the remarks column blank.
6:11
